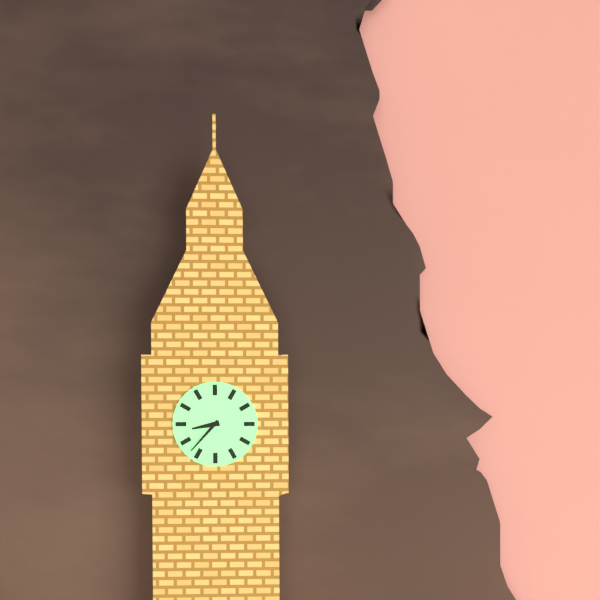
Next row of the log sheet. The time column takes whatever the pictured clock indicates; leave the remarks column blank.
8:37
